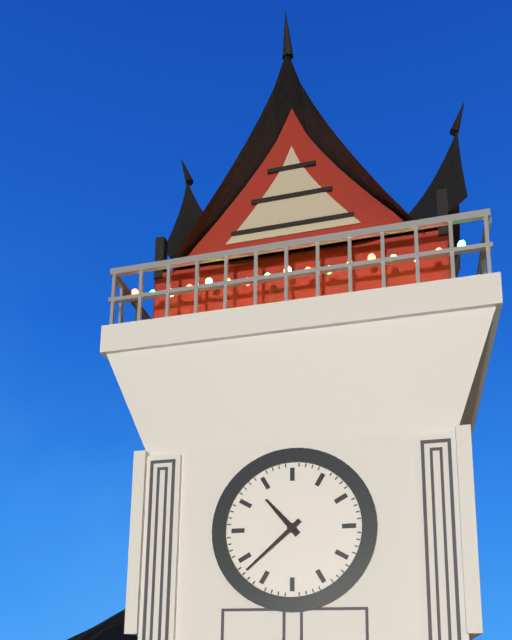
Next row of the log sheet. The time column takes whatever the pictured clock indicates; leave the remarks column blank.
10:38
